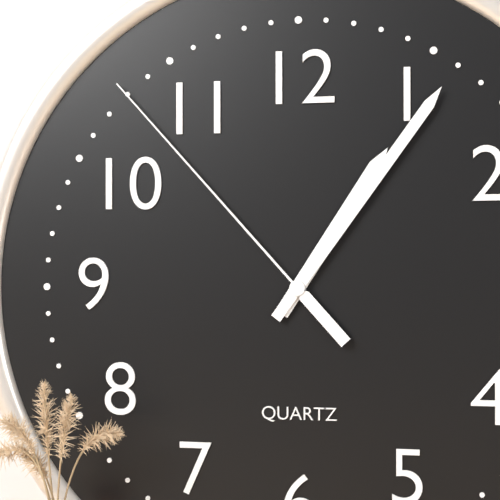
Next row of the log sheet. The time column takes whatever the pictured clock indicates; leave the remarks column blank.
1:06:53
